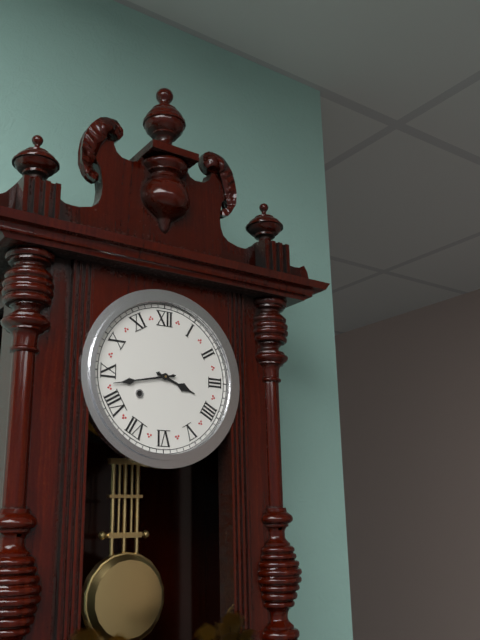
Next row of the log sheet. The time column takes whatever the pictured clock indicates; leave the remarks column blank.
3:43
